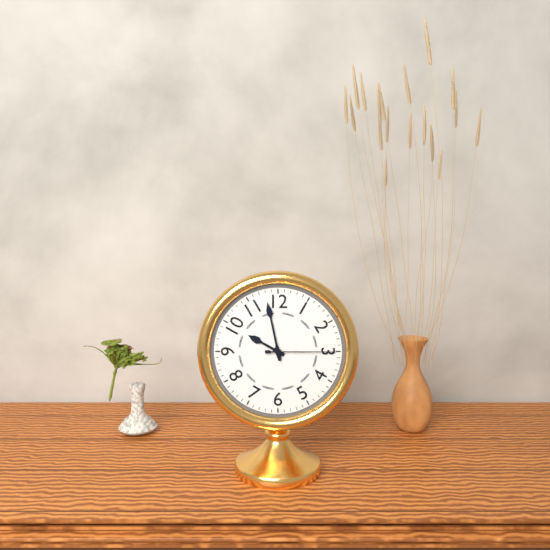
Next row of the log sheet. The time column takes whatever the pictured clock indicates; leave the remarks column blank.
9:58:15
